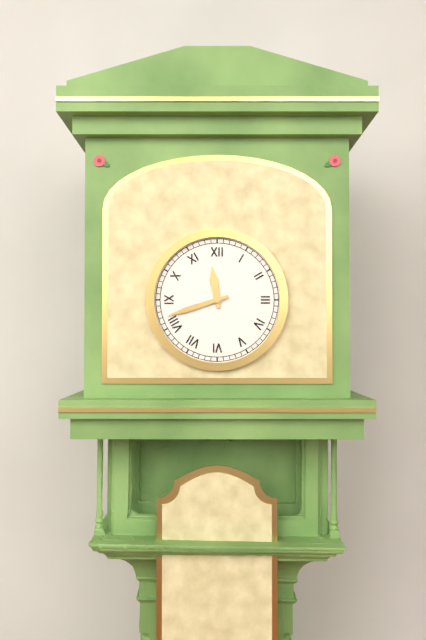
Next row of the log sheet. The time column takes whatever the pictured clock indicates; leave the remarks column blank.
11:42
